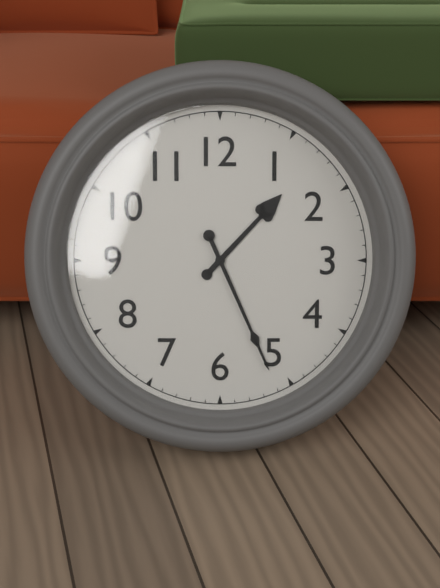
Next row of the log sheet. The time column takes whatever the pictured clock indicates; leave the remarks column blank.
1:26
